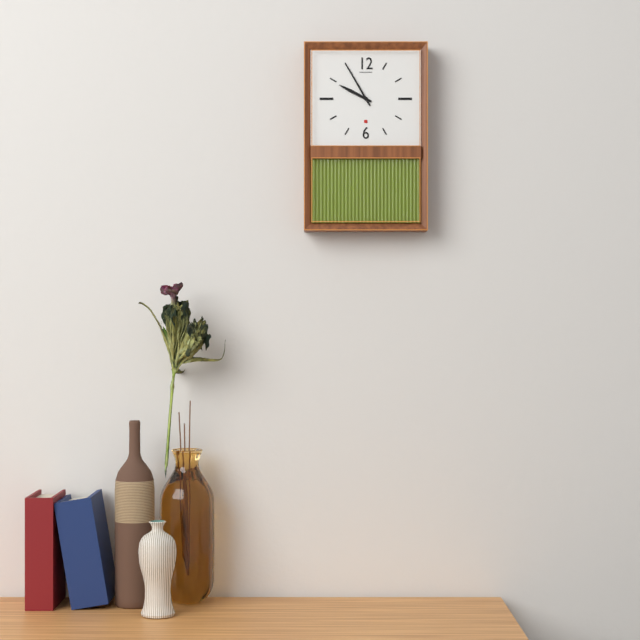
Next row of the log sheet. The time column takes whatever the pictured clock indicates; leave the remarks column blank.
9:55
